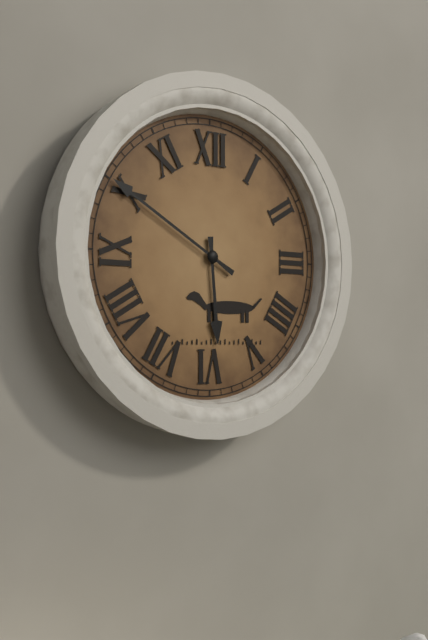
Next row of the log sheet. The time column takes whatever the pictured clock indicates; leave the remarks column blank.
5:50
